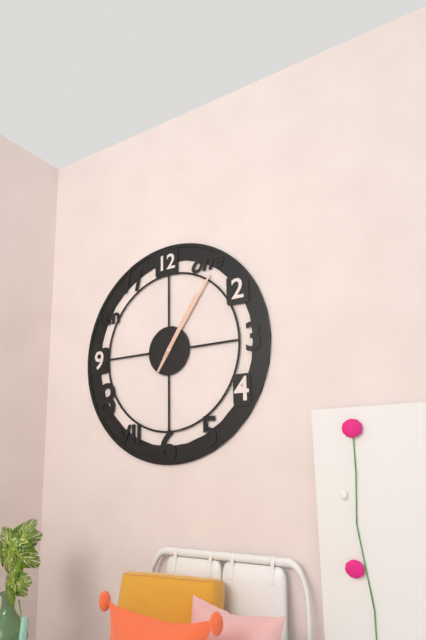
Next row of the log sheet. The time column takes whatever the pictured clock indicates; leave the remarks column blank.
1:06
